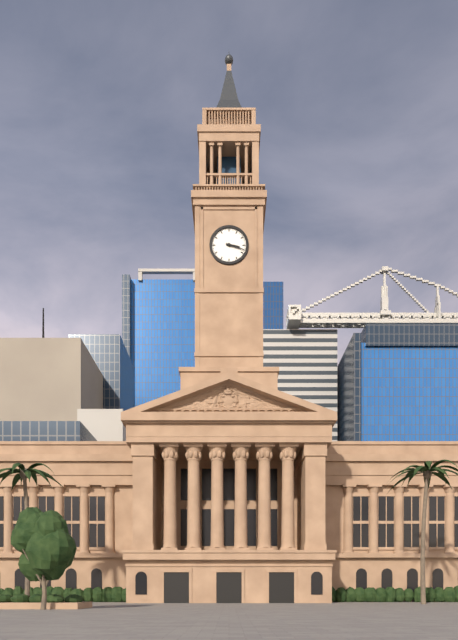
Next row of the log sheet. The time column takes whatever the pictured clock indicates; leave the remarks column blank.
3:18
